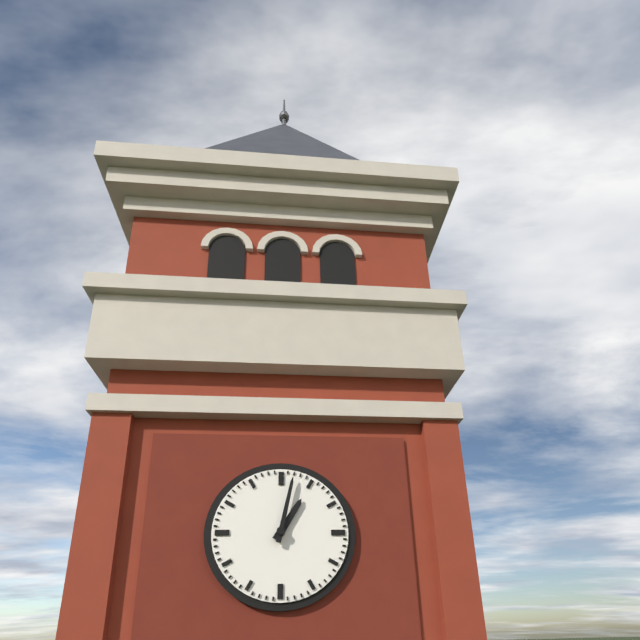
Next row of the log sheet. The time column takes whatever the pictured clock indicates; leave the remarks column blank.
1:02
